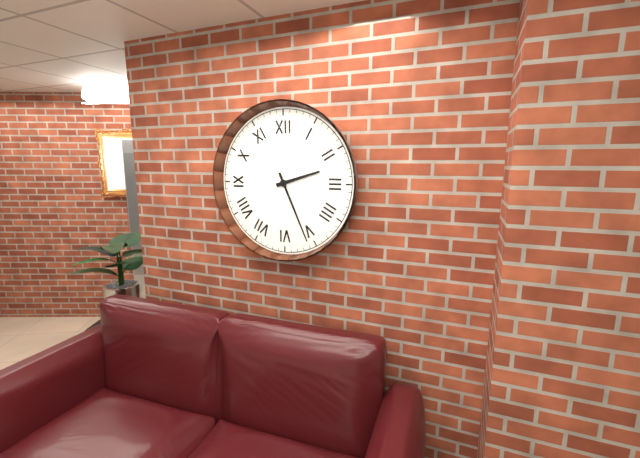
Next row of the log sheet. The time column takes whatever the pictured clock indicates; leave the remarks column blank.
2:26
